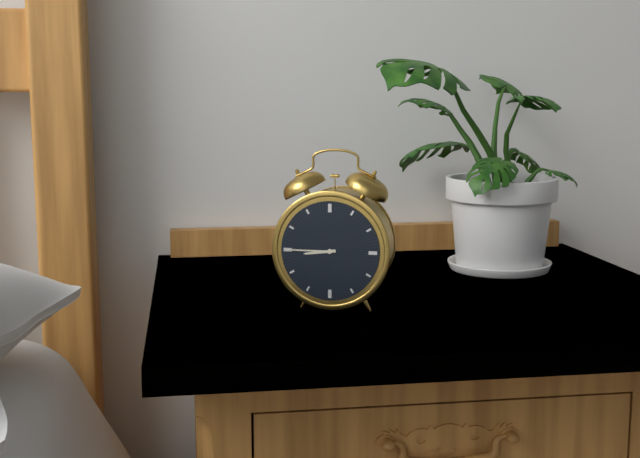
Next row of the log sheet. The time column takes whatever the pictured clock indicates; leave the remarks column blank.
8:45
